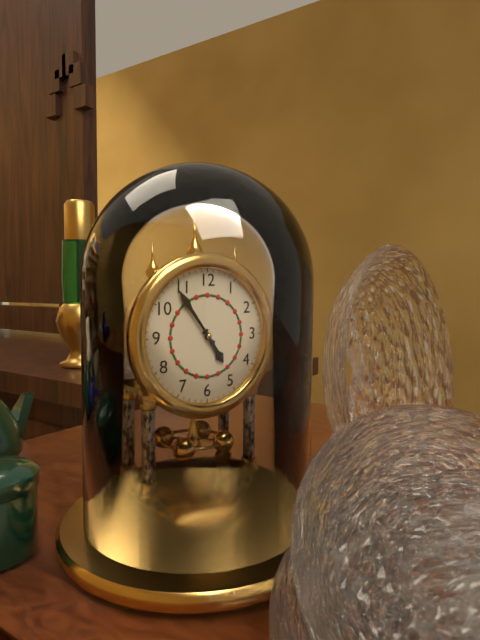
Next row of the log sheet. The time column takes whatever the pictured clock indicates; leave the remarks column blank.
4:54
